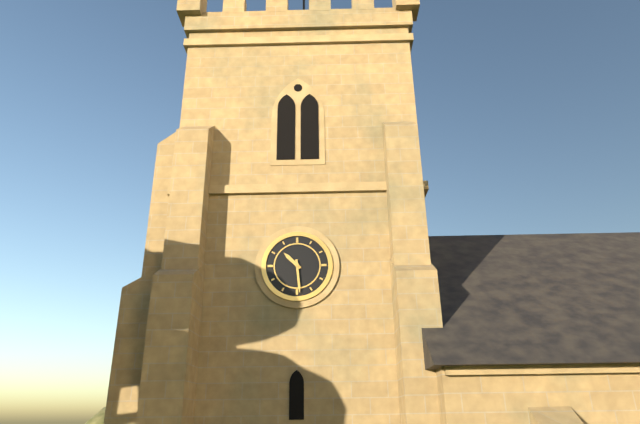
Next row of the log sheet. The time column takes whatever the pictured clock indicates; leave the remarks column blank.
10:29
